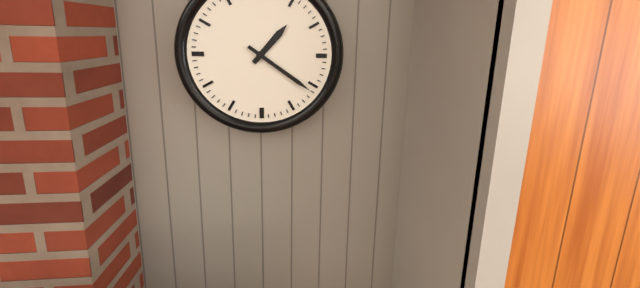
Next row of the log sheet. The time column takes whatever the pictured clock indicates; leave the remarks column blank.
1:21
